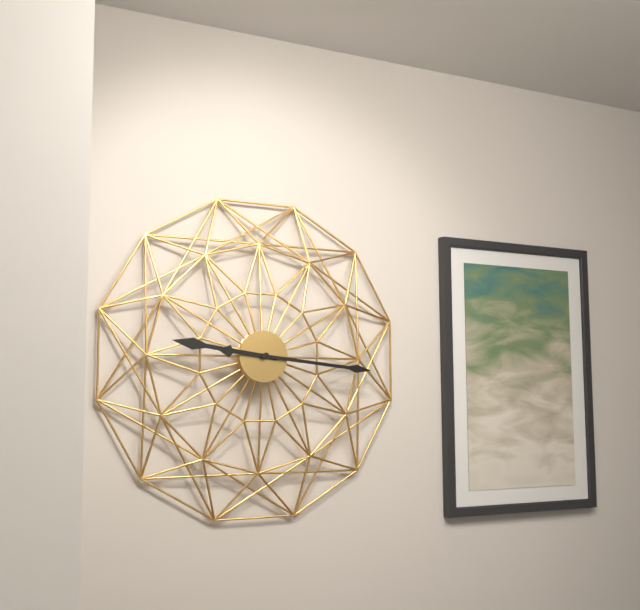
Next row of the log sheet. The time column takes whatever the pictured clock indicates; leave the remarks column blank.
9:16
